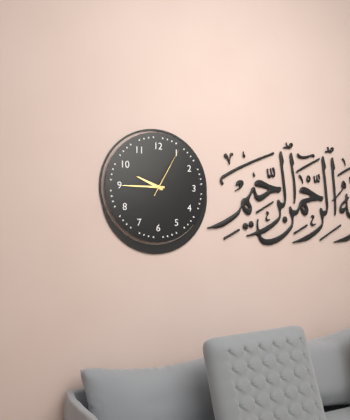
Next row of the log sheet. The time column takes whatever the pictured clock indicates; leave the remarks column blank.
9:45:05
